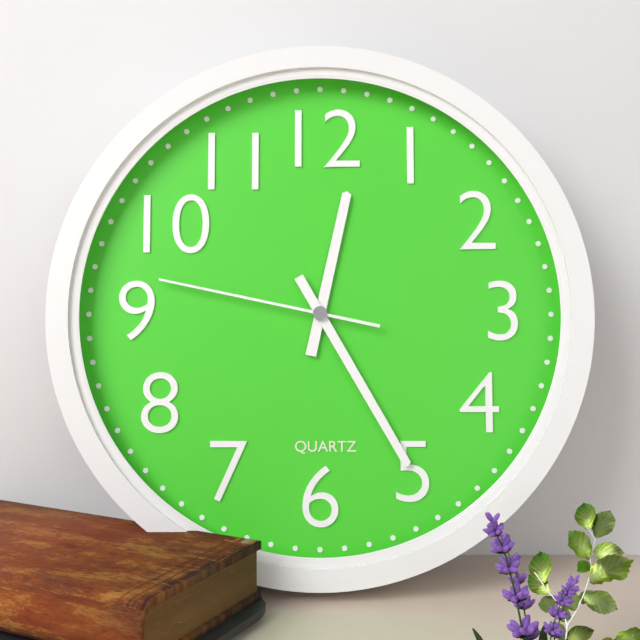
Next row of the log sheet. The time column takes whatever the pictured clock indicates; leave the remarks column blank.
12:25:47
